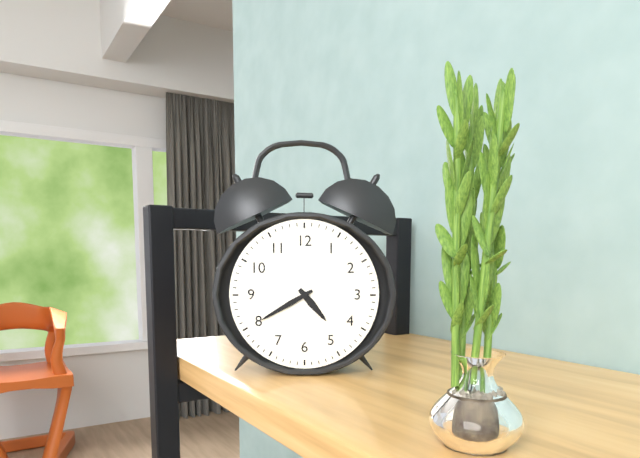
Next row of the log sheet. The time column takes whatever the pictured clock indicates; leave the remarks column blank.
4:40
